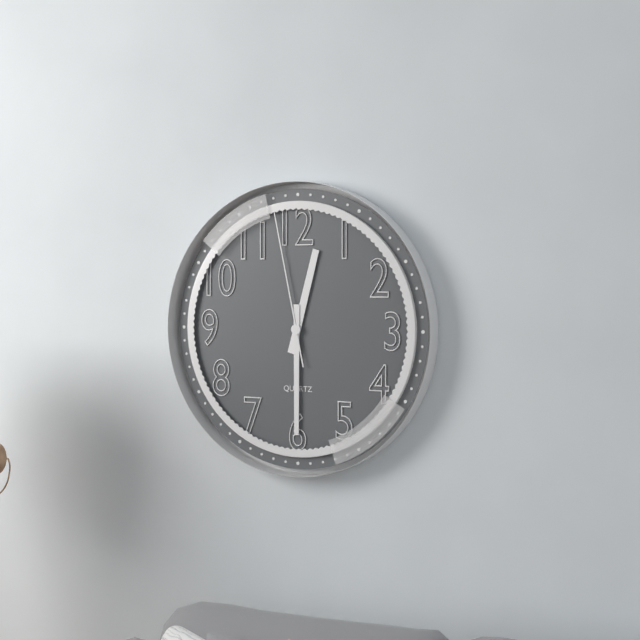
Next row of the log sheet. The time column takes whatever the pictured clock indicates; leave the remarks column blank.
12:30:58
